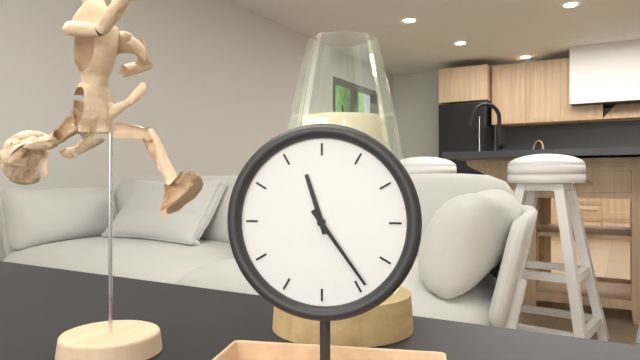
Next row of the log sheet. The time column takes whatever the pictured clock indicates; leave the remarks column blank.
11:24
